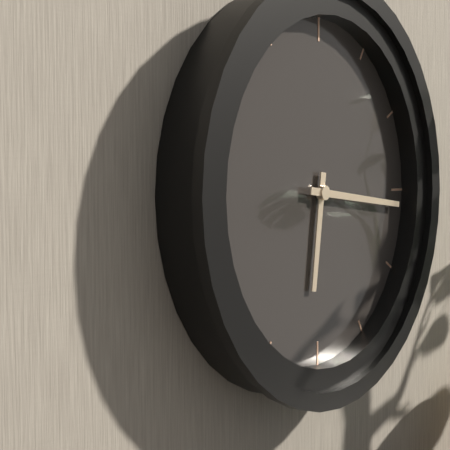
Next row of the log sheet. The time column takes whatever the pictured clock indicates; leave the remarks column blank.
6:16
